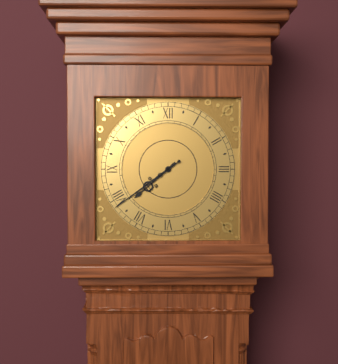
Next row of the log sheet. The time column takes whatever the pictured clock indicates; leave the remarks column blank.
7:39
